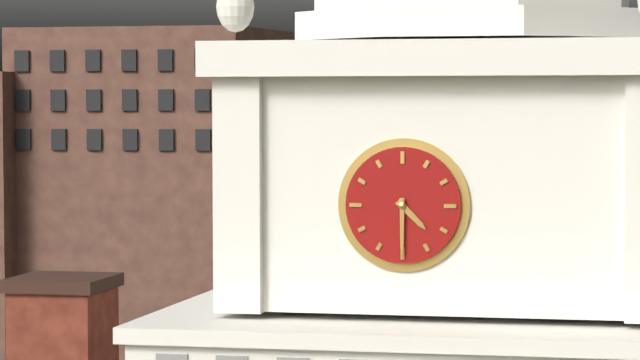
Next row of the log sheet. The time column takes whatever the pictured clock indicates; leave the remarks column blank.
4:30
